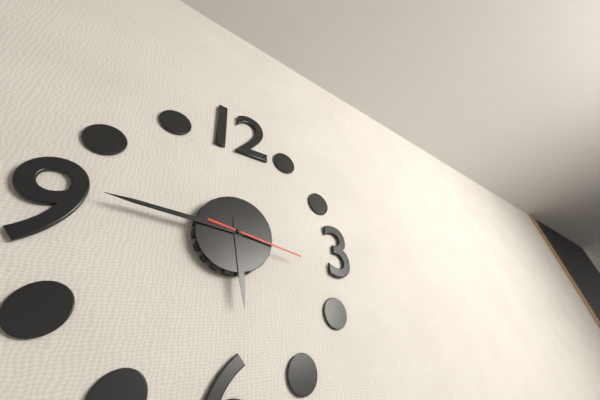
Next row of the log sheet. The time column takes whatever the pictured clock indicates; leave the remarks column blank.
5:46:17
